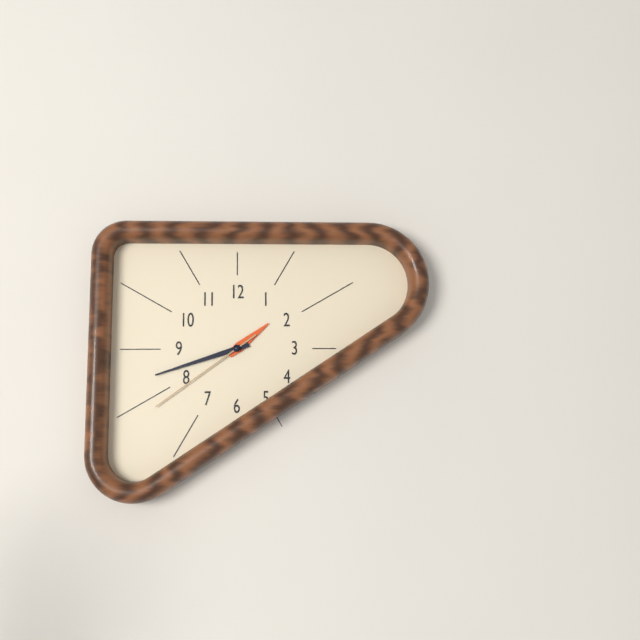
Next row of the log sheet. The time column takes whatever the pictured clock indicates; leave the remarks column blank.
1:42:39
